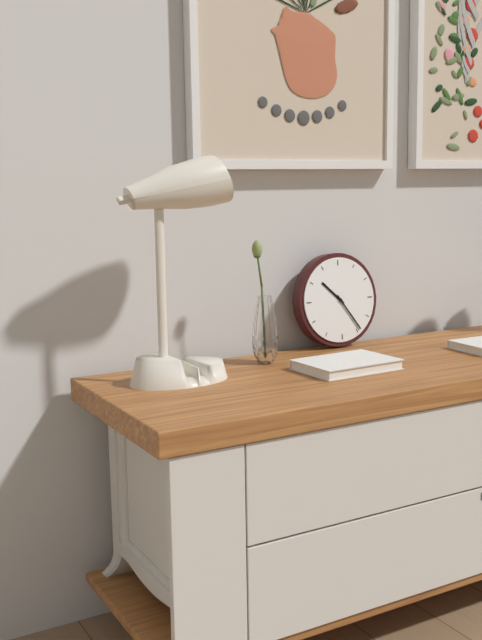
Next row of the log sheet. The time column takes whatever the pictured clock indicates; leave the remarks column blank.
10:24
